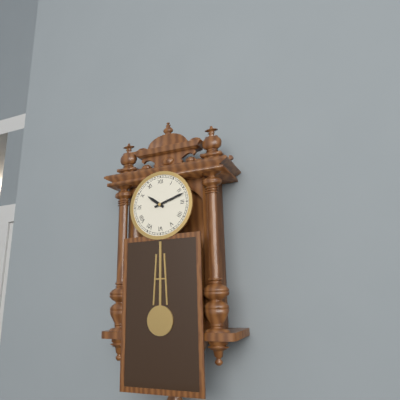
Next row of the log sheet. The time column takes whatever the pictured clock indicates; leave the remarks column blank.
10:12
